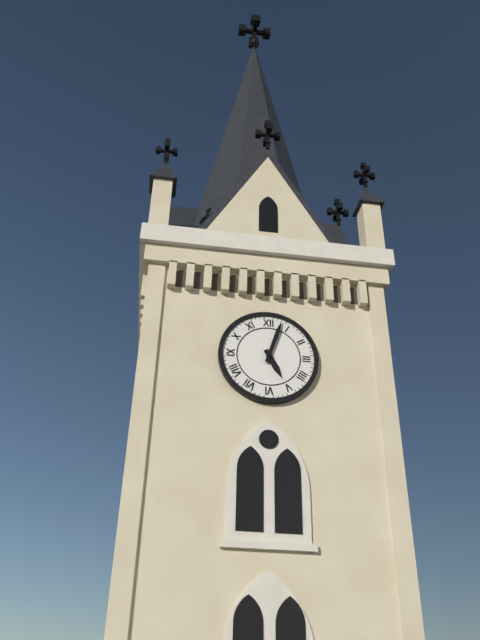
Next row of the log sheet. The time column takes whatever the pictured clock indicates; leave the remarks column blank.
5:03
